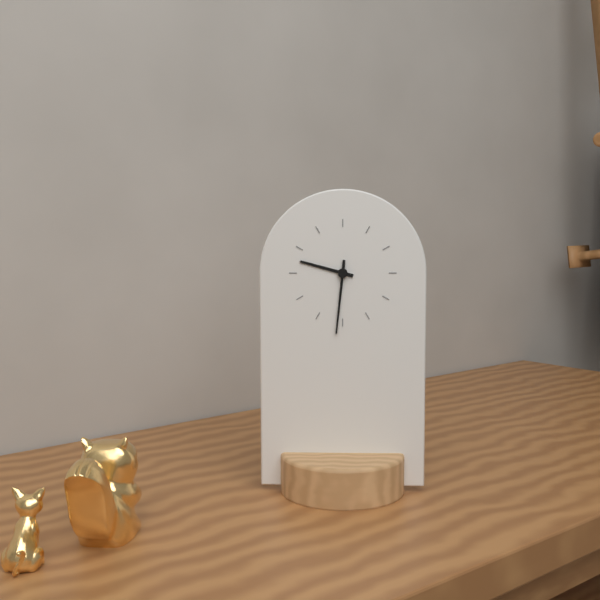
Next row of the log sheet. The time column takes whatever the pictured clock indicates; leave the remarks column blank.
9:31
